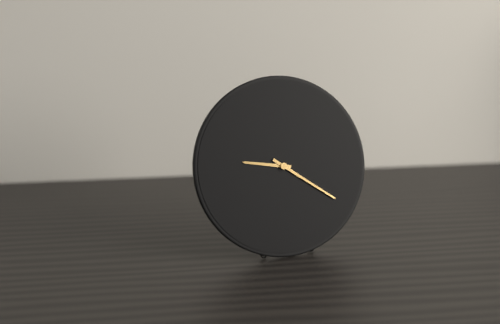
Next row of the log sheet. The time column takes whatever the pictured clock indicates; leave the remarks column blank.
9:21
